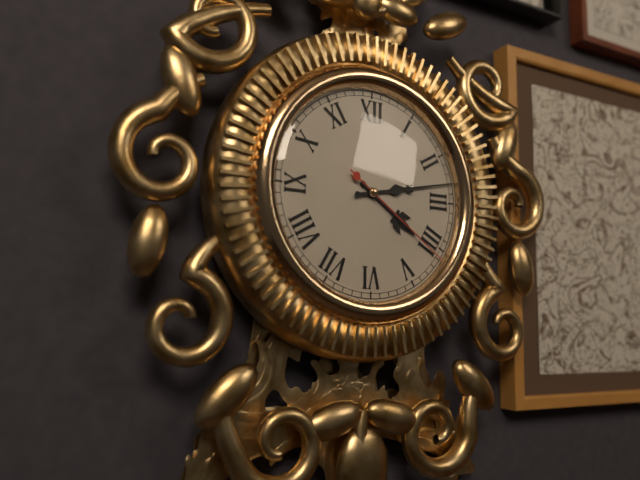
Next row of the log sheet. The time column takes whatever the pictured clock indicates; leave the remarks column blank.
4:13:21
